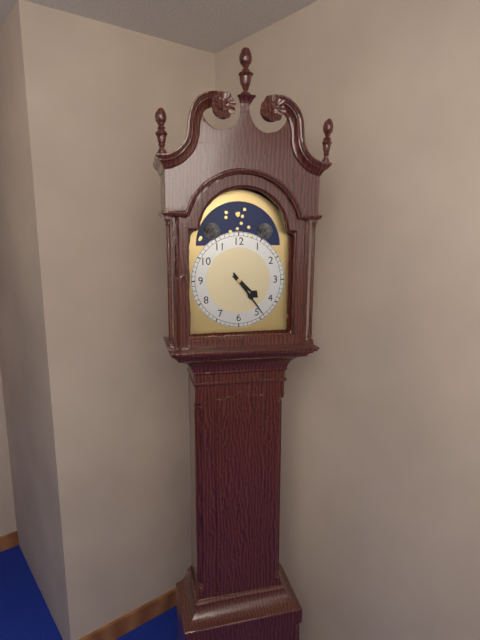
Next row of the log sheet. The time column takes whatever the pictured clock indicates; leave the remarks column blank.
4:24
